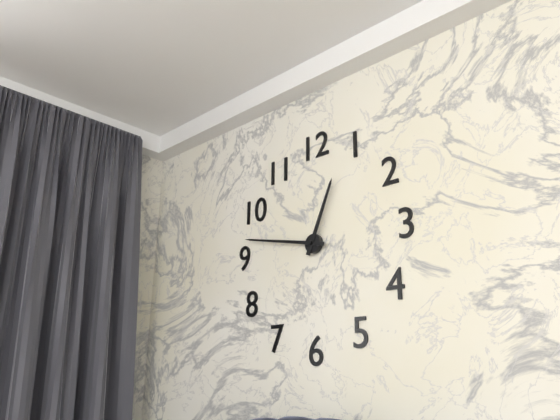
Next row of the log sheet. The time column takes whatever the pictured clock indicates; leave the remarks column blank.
12:47
